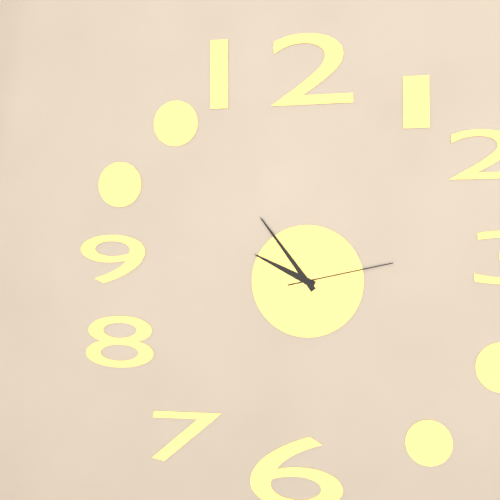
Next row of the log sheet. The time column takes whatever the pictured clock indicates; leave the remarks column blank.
9:54:13
